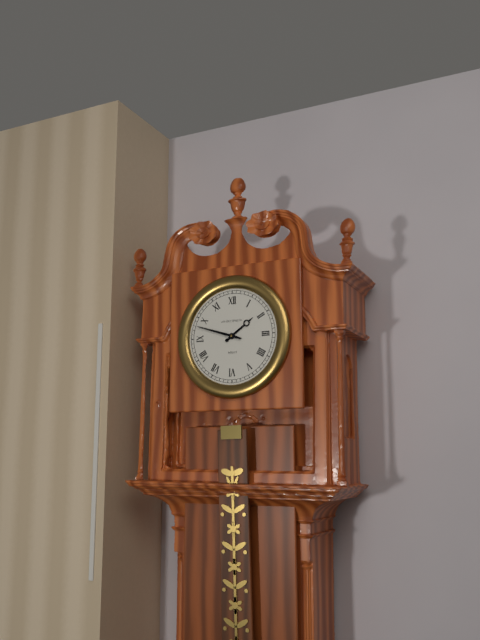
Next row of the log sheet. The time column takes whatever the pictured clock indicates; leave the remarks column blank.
1:48
